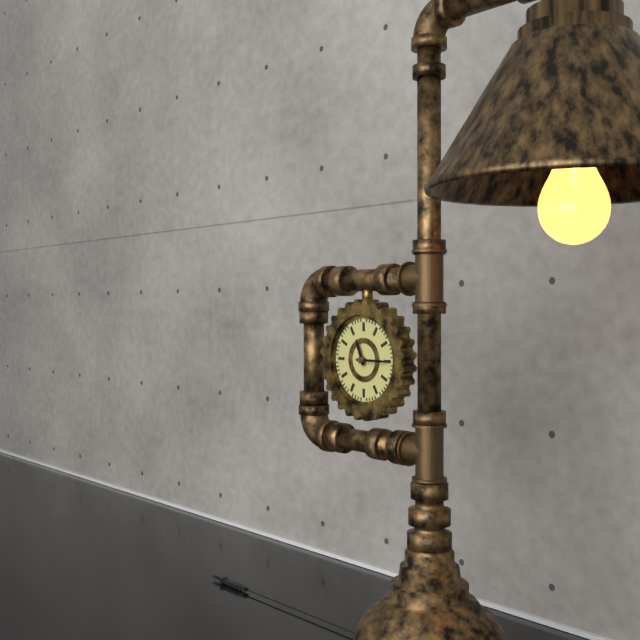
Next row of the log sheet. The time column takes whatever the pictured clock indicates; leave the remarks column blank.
11:15
